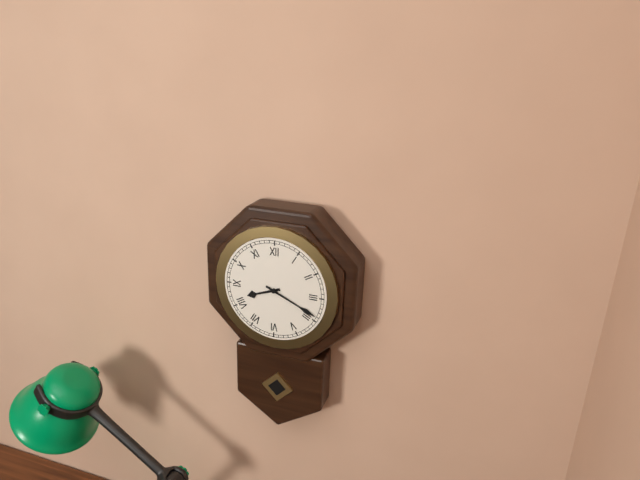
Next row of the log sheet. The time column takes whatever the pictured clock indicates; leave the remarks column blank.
8:19
